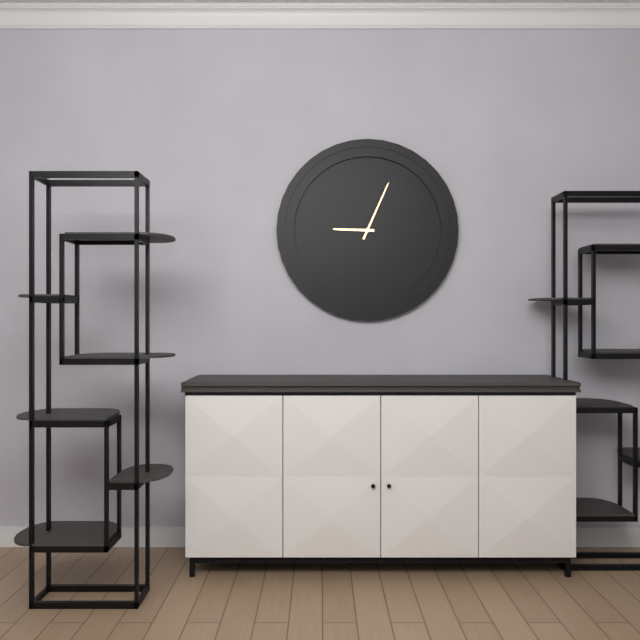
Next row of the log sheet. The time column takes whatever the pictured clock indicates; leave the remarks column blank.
9:04
